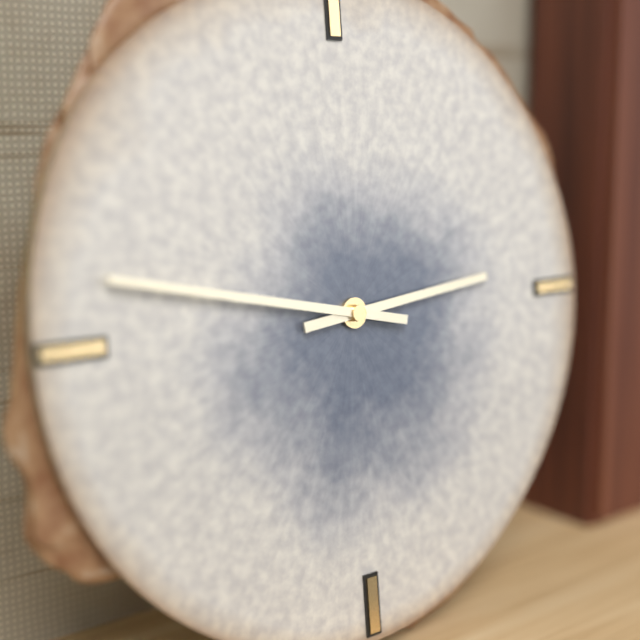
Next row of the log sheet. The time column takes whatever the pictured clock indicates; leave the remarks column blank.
2:47
